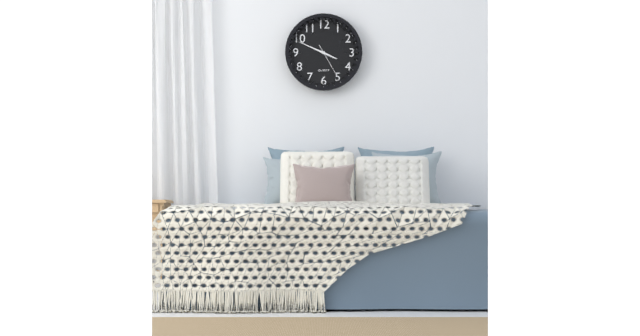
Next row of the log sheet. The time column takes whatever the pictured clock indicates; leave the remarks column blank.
3:49
